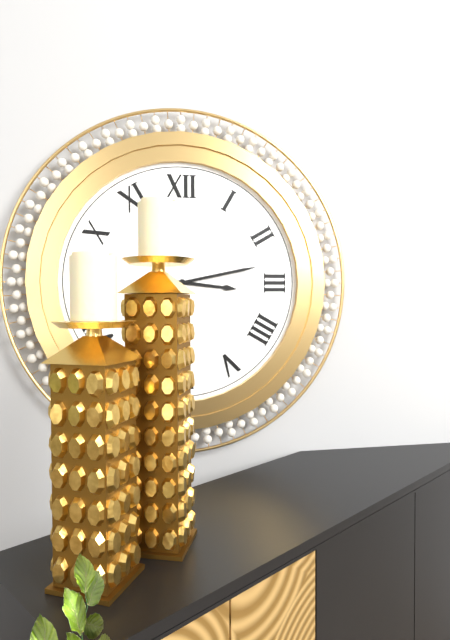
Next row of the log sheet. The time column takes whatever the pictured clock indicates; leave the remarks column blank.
3:13
